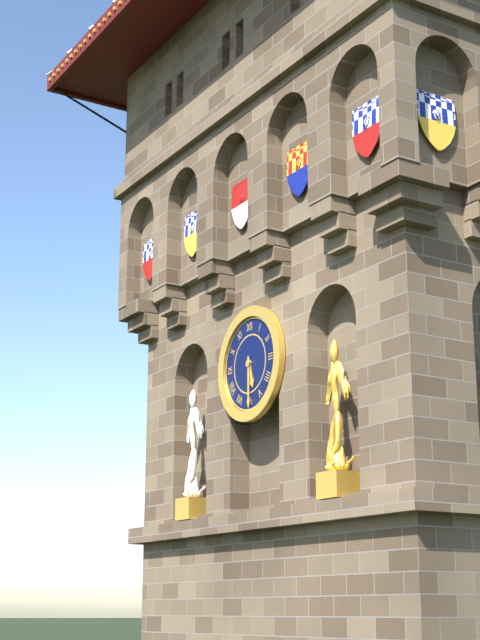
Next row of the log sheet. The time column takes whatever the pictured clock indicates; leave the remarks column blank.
5:30
